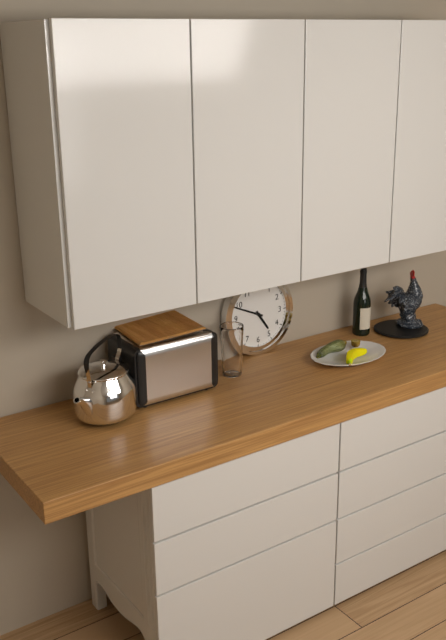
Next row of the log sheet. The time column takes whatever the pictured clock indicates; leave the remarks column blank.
4:49
